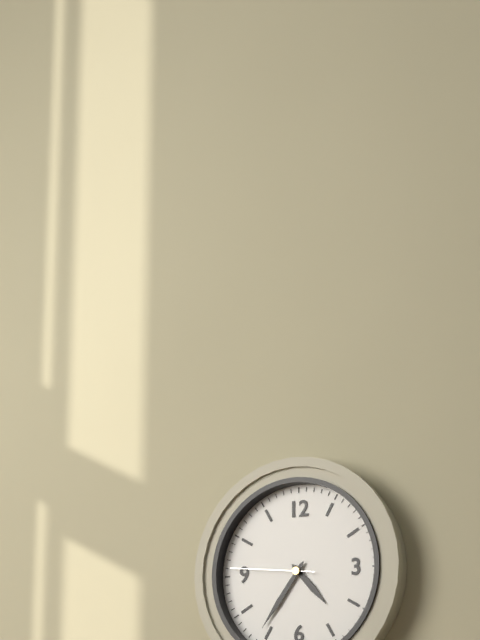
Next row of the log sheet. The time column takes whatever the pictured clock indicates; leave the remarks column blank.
4:36:46
